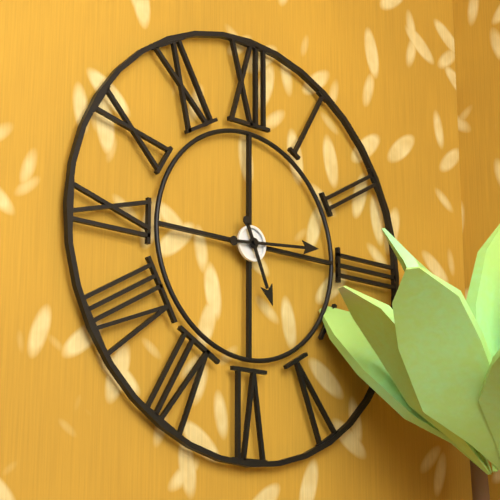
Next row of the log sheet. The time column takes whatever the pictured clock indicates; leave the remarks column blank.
5:14
